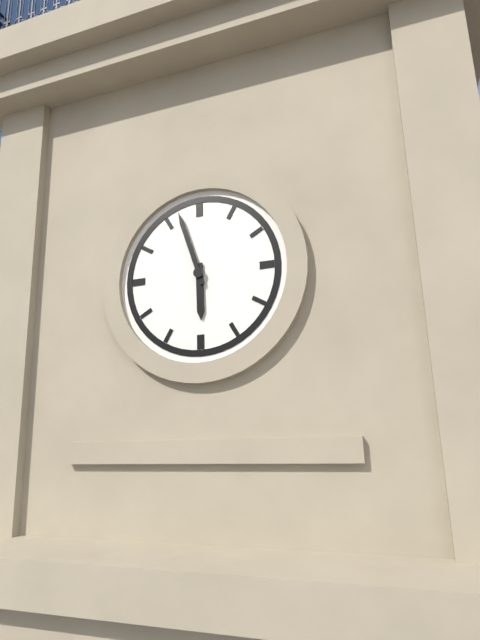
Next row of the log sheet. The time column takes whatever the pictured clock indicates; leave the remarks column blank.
5:57
